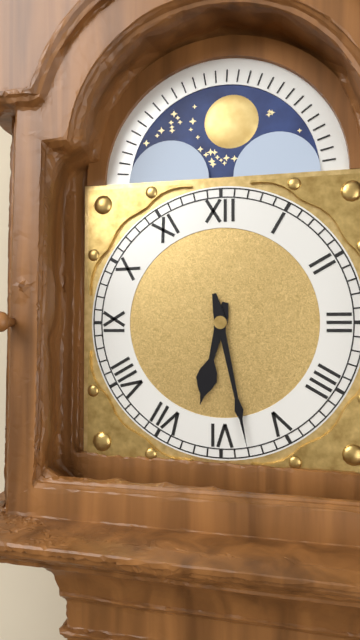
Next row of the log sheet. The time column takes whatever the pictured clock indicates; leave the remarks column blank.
6:28
